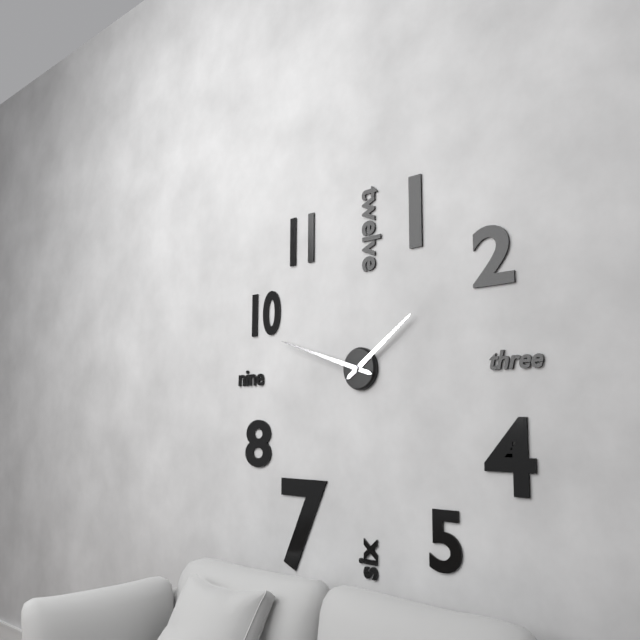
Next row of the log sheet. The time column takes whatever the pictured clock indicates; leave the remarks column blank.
1:48
